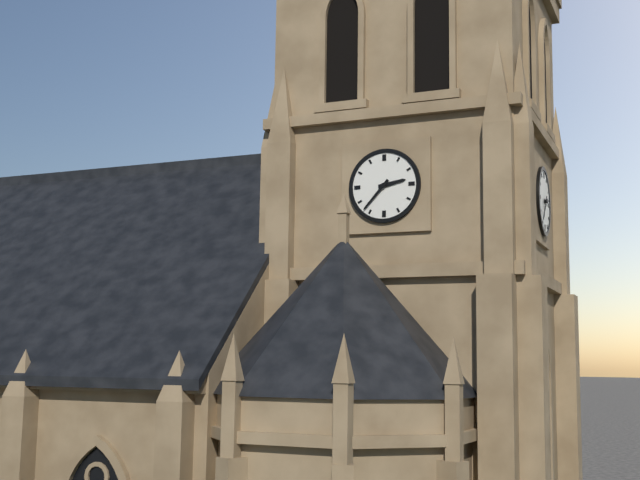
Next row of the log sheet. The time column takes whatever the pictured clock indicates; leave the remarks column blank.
2:37
